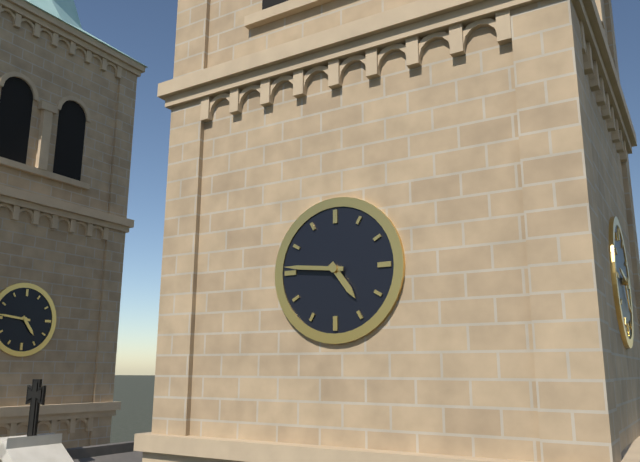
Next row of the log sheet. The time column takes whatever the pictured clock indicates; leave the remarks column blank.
4:46
